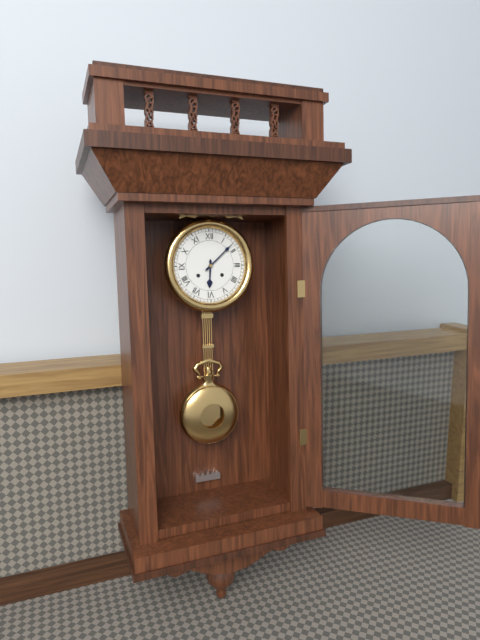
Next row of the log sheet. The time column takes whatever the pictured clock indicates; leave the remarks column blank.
6:08
